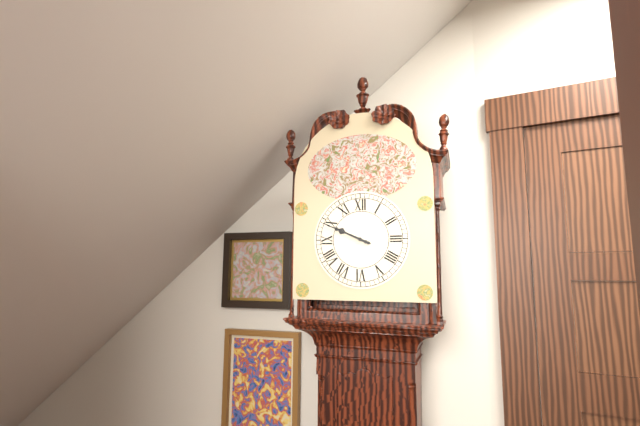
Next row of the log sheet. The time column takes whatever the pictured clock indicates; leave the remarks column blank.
9:49
